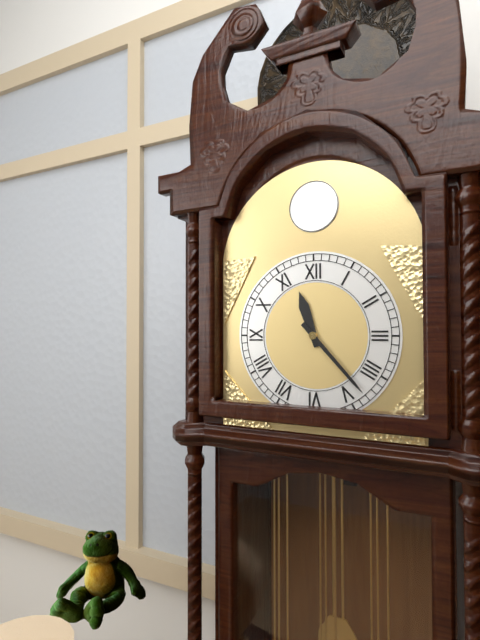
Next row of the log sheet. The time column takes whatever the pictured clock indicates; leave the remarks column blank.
11:23
